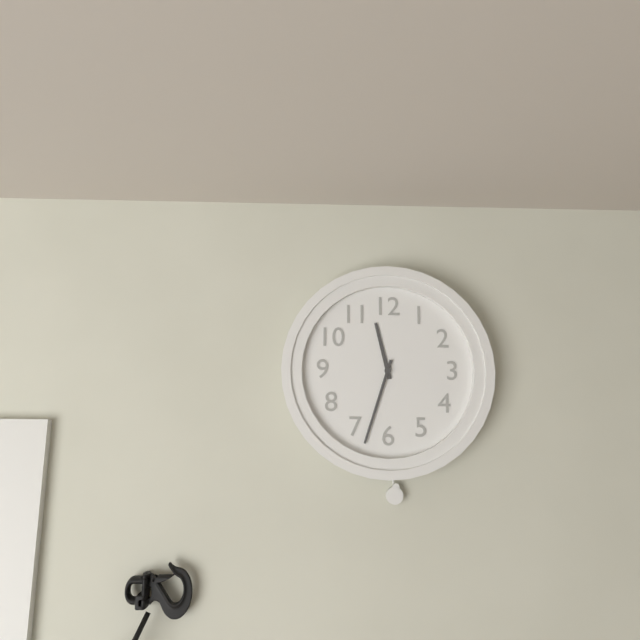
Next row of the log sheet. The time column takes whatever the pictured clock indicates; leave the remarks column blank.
11:33
